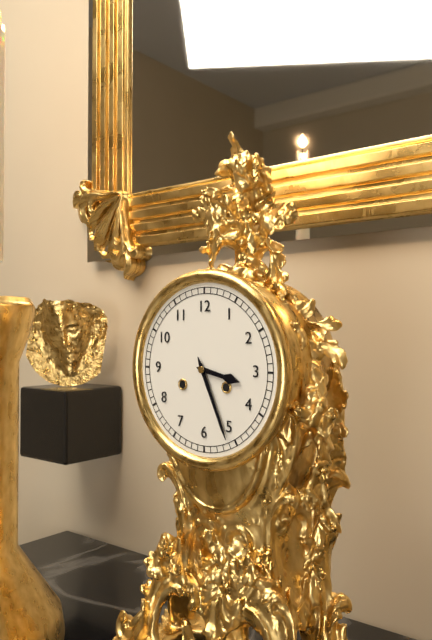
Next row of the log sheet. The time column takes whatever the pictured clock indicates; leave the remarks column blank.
3:26
